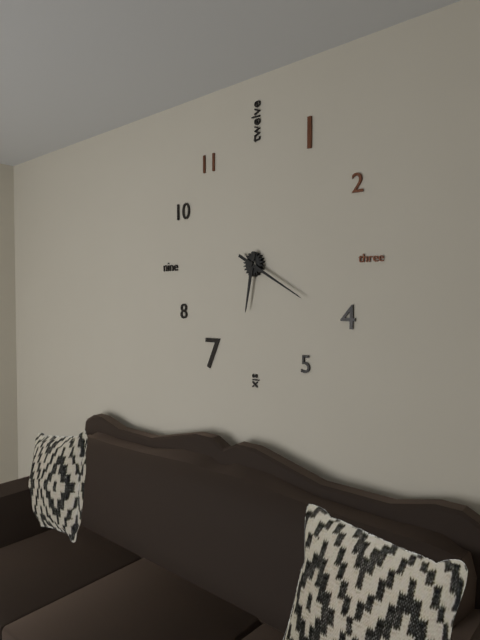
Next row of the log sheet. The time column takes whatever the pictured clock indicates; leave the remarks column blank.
6:20
